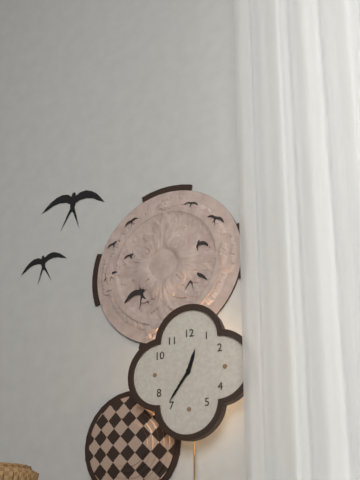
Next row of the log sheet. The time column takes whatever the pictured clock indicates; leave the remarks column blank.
12:36
